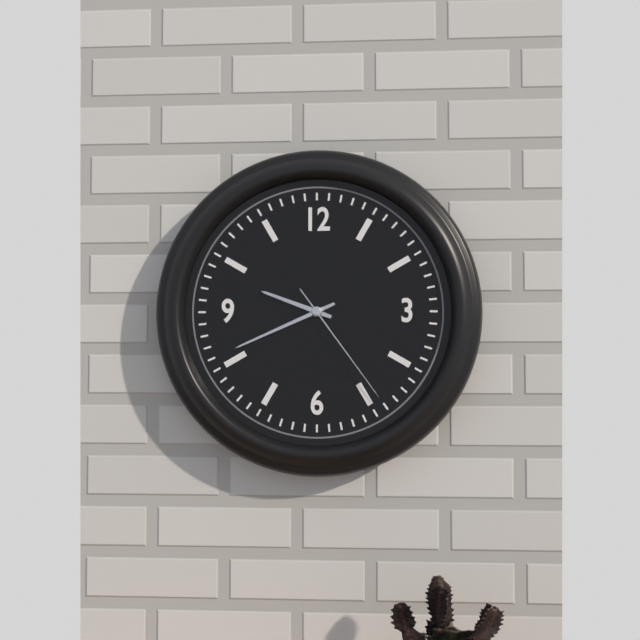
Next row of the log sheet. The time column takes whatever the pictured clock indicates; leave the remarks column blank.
9:41:24
